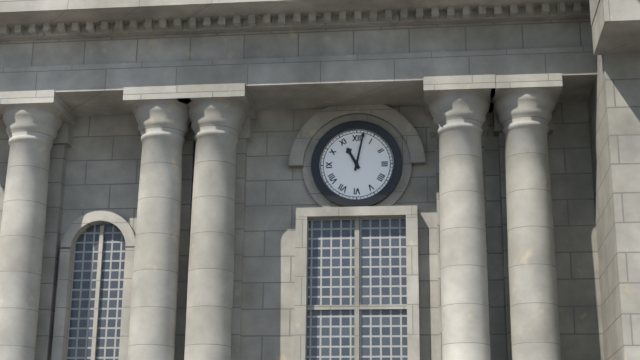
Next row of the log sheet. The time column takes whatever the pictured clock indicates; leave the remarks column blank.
11:02
